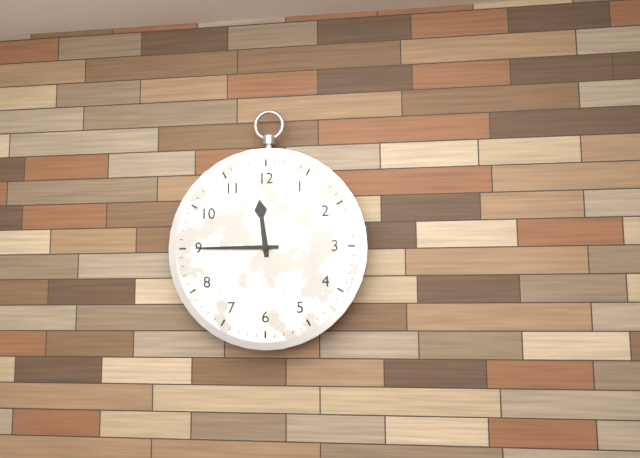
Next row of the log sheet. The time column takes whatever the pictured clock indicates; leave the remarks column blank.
11:45
